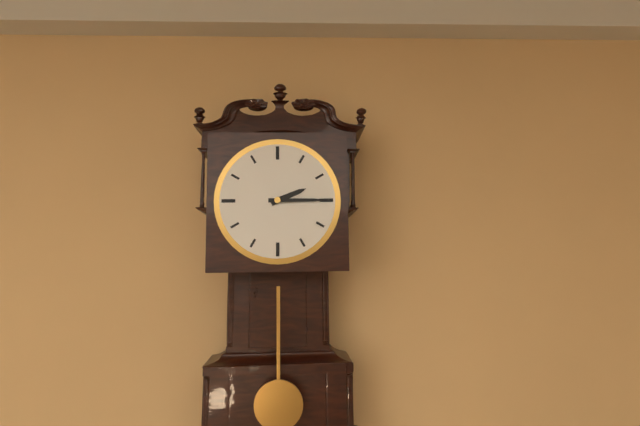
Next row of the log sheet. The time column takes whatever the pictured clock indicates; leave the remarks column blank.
2:15
